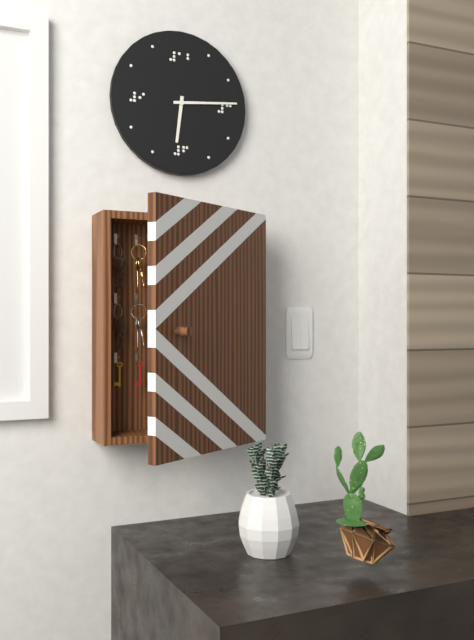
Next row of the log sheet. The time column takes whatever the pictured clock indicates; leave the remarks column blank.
6:14
